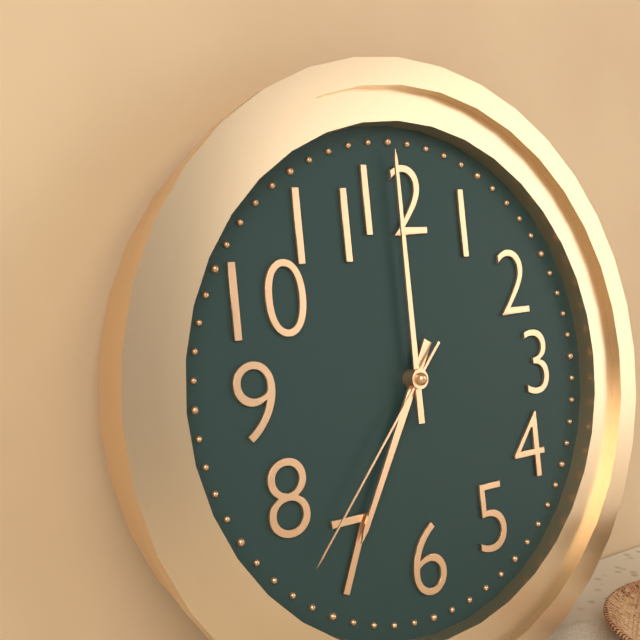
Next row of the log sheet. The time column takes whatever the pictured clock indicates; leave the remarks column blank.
7:00:37
